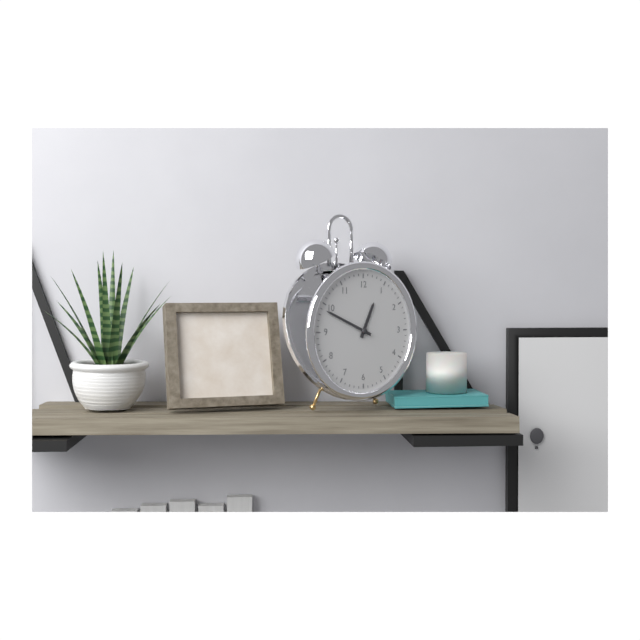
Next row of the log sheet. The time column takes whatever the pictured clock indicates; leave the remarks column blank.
12:49
